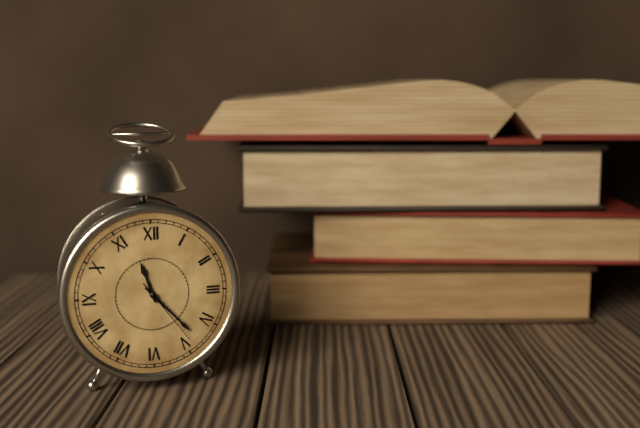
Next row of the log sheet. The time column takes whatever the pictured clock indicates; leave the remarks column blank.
11:23:24
